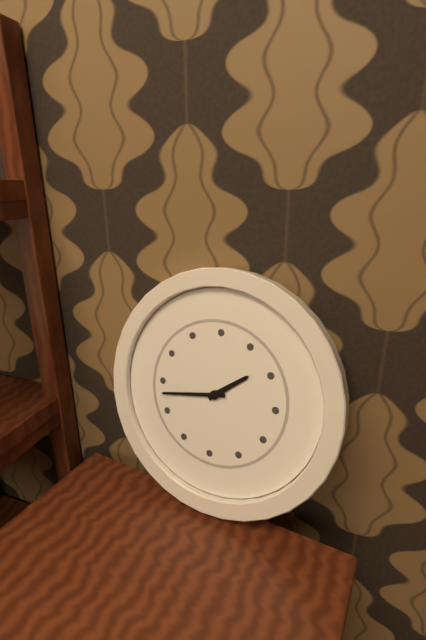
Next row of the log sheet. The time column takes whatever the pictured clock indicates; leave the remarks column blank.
1:43
